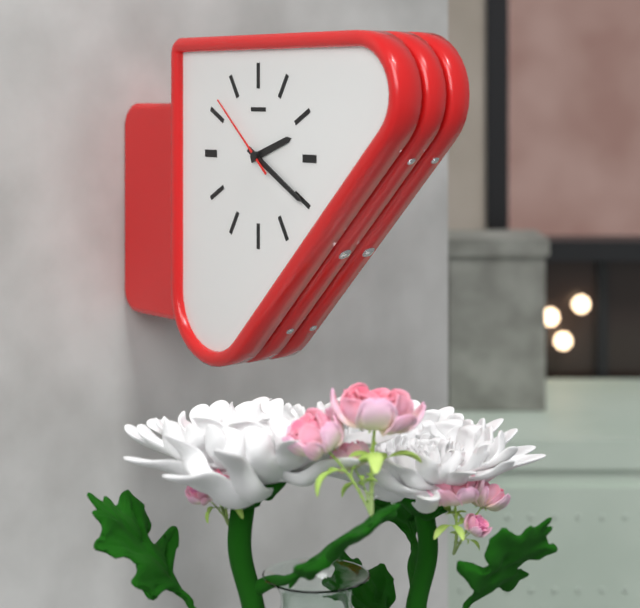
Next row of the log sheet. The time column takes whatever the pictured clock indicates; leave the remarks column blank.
2:20:52
